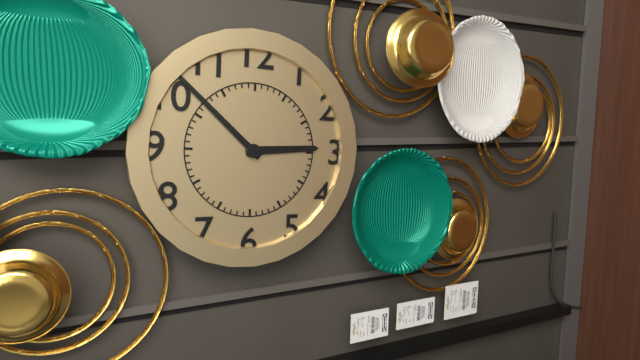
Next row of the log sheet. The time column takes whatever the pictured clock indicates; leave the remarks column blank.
2:52
